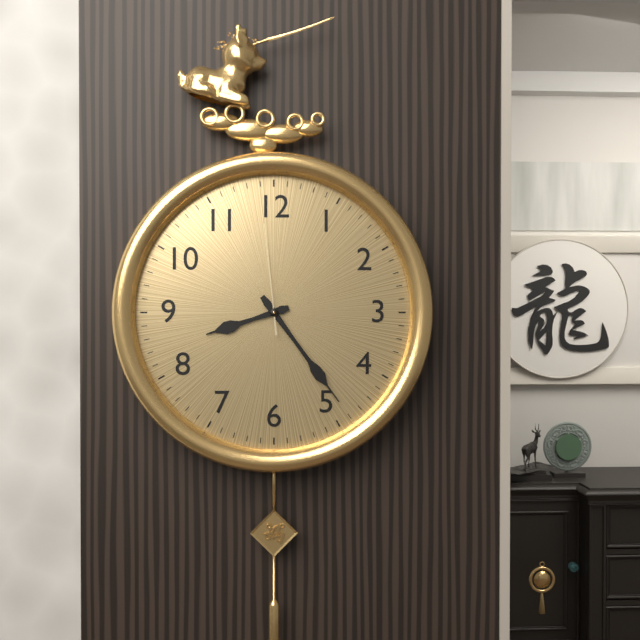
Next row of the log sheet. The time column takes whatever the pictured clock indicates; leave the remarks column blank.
8:24:59
